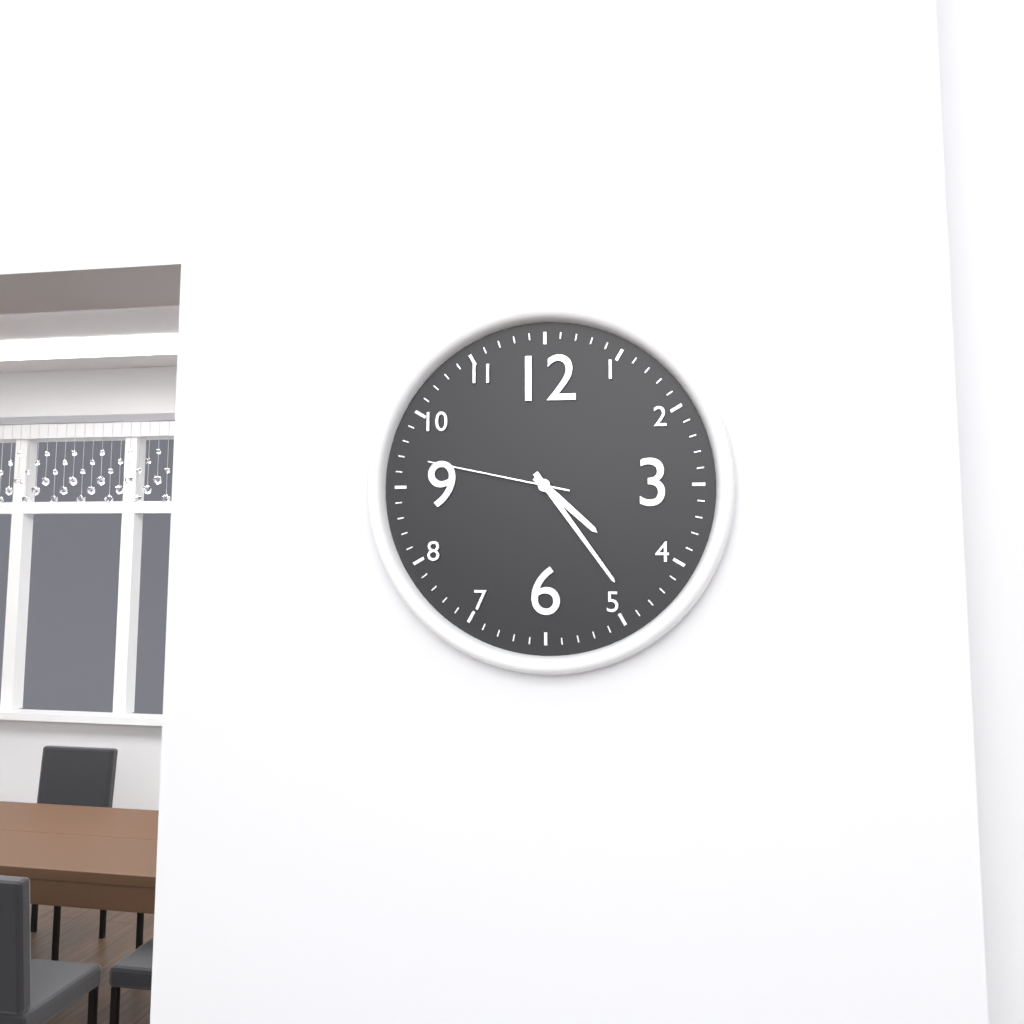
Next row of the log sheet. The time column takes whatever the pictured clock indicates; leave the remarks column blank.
4:24:47
